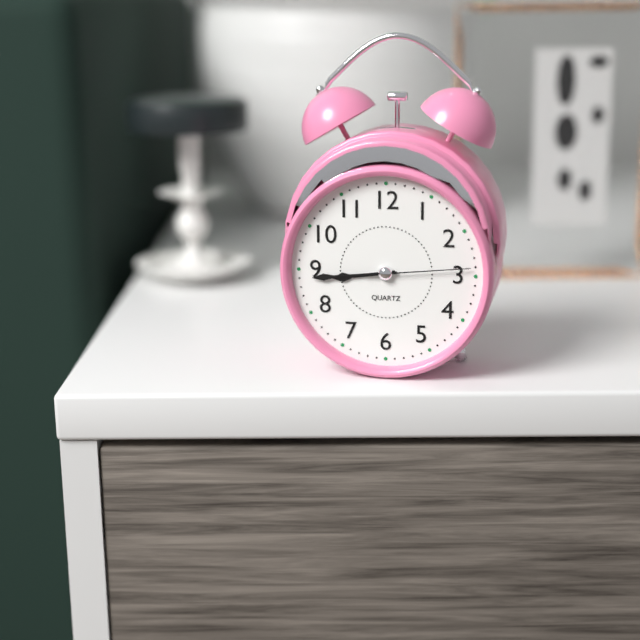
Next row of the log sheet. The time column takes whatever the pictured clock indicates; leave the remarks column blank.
8:44:14
